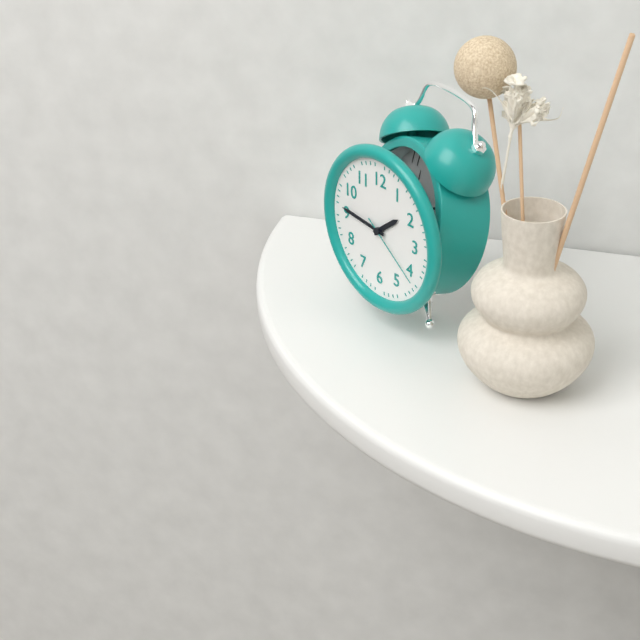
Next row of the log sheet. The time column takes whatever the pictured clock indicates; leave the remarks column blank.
1:46:21
